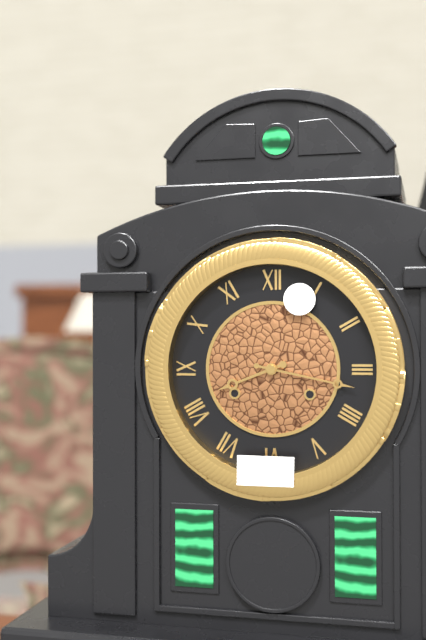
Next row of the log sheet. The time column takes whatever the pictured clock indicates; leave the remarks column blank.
8:17
